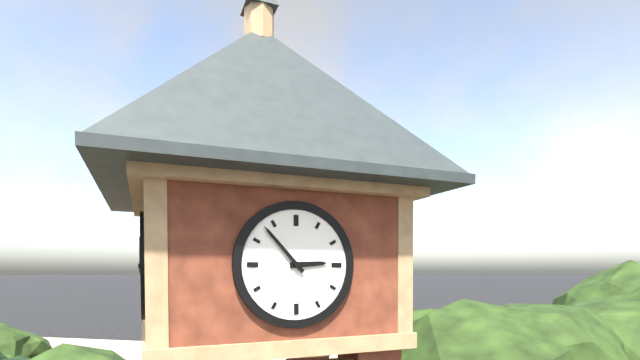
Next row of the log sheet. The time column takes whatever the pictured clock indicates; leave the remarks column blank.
2:53
